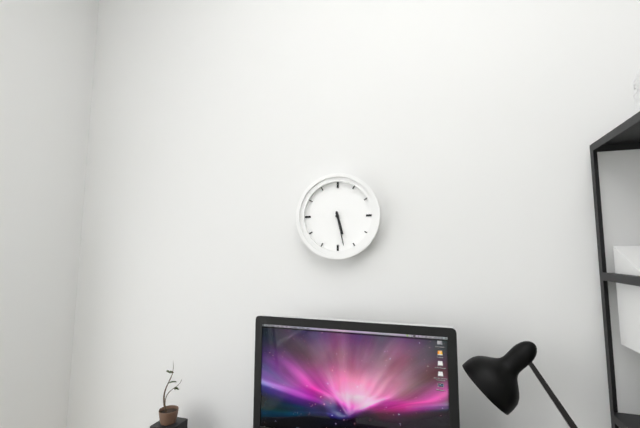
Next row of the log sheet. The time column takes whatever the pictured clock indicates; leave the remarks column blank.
5:28
